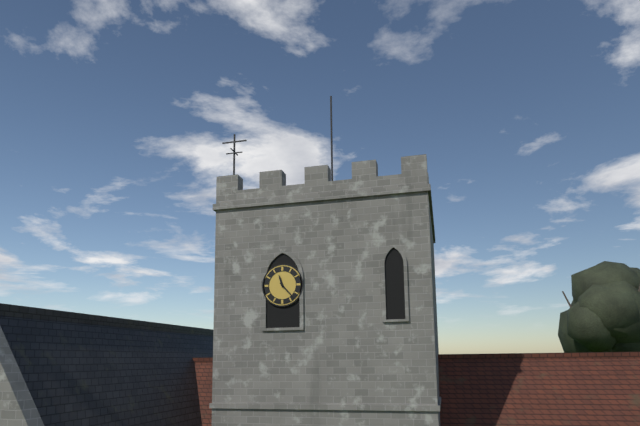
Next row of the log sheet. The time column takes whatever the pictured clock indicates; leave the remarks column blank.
11:23
